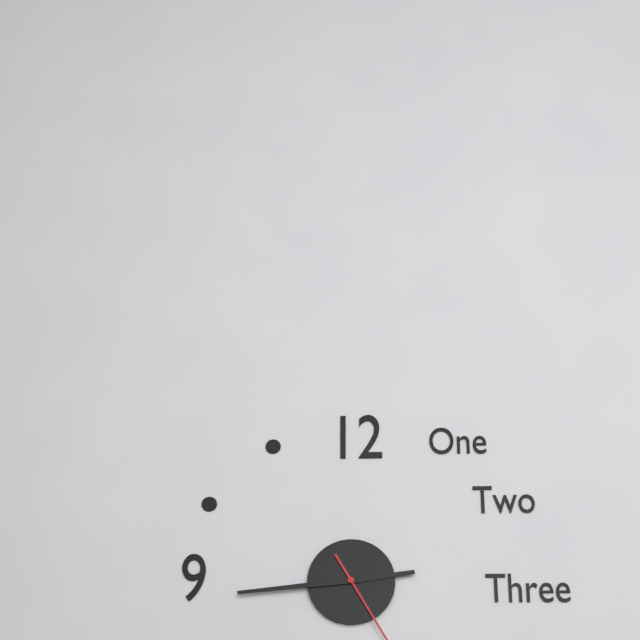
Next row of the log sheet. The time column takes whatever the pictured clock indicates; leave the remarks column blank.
2:44
